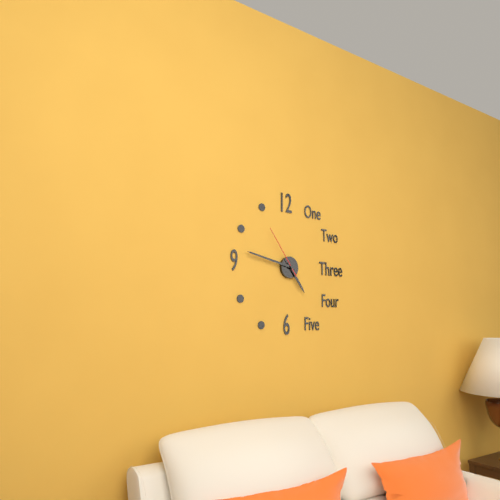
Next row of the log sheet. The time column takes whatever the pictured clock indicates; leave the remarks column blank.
4:47:54
